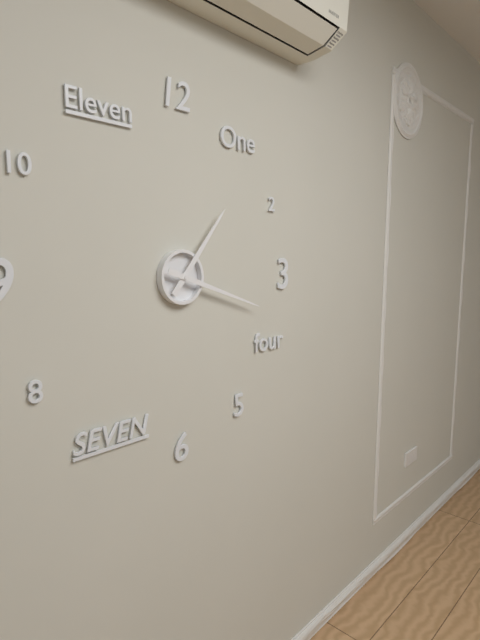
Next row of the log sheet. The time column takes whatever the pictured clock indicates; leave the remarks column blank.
1:18
